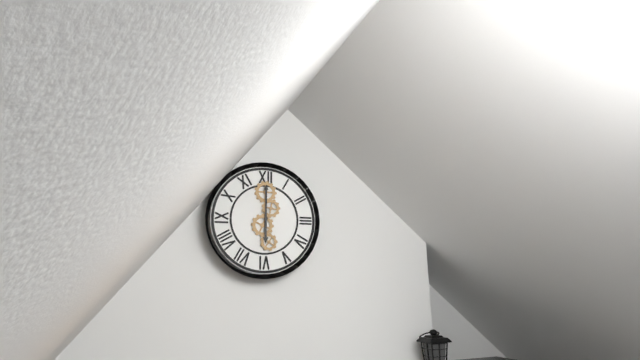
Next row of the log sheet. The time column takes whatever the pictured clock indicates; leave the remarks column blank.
6:00
